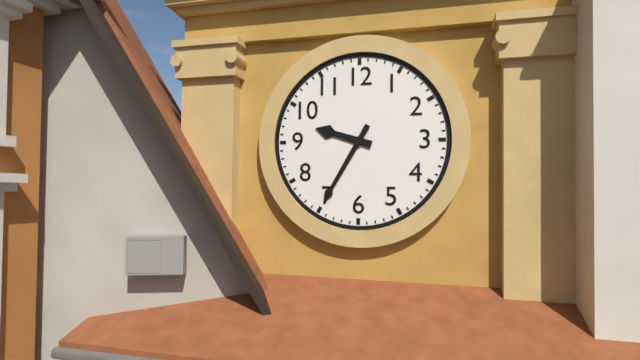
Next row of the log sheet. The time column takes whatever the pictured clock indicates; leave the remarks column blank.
9:35
